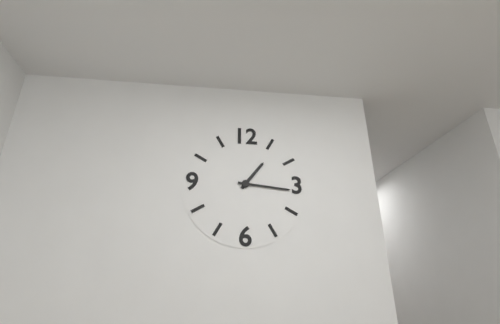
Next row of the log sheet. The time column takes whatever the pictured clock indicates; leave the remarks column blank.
1:16
